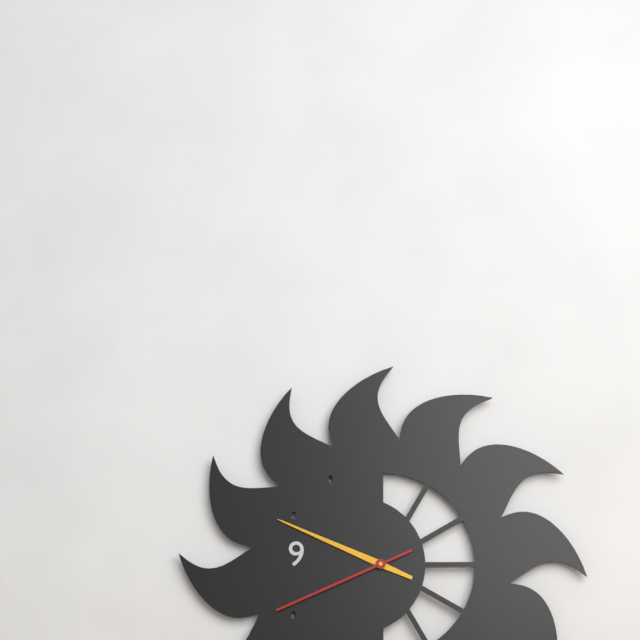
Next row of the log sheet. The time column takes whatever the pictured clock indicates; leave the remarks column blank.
9:49:41
